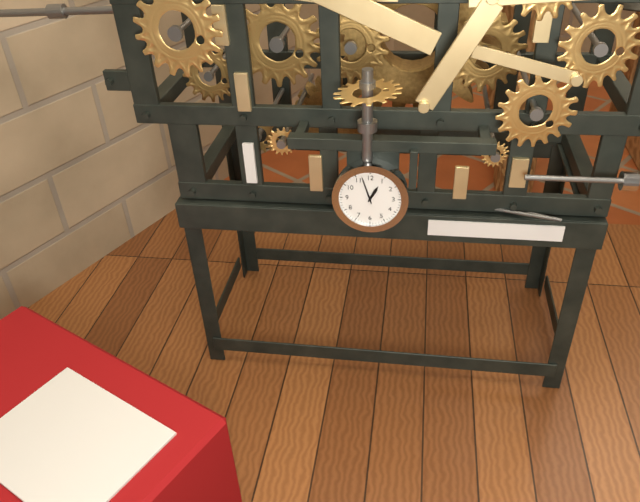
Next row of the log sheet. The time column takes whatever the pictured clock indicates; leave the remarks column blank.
12:57
